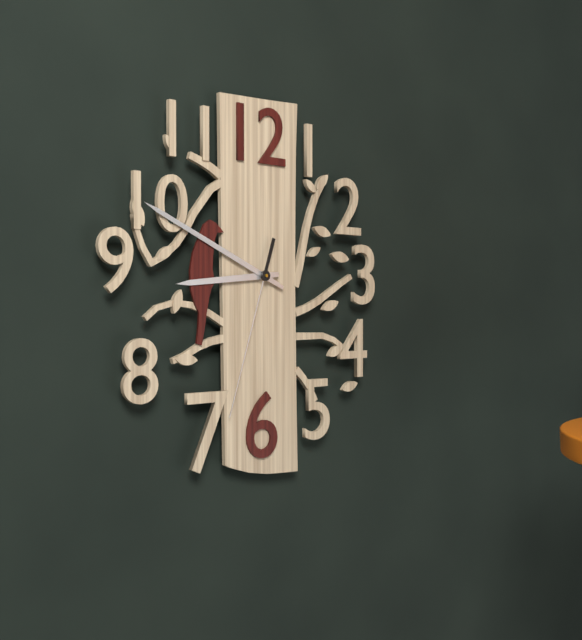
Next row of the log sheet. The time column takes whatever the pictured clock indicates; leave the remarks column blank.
8:49:33
